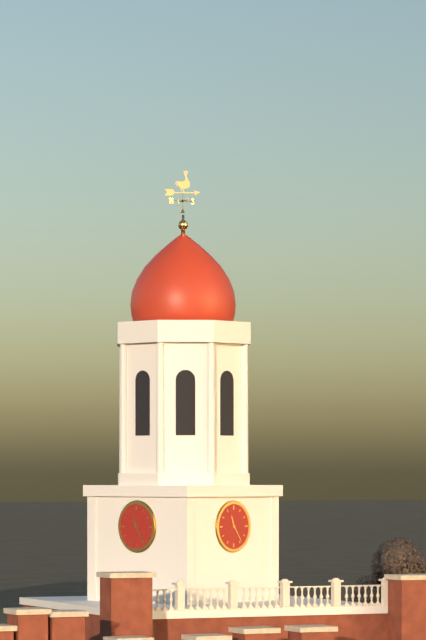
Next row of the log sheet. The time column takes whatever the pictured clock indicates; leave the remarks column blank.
11:24
